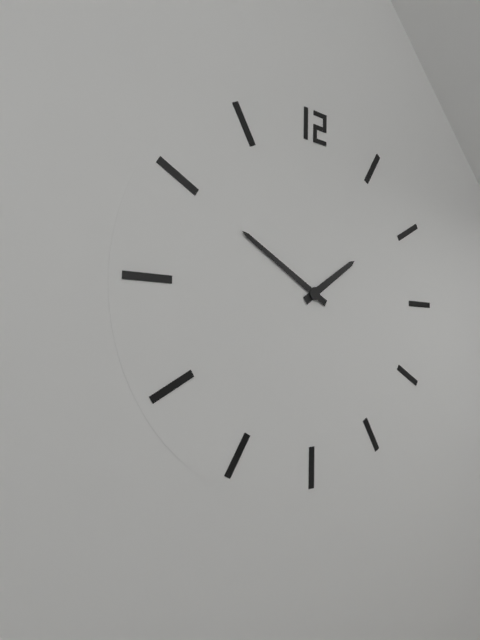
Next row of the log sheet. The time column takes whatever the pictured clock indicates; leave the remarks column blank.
1:50
